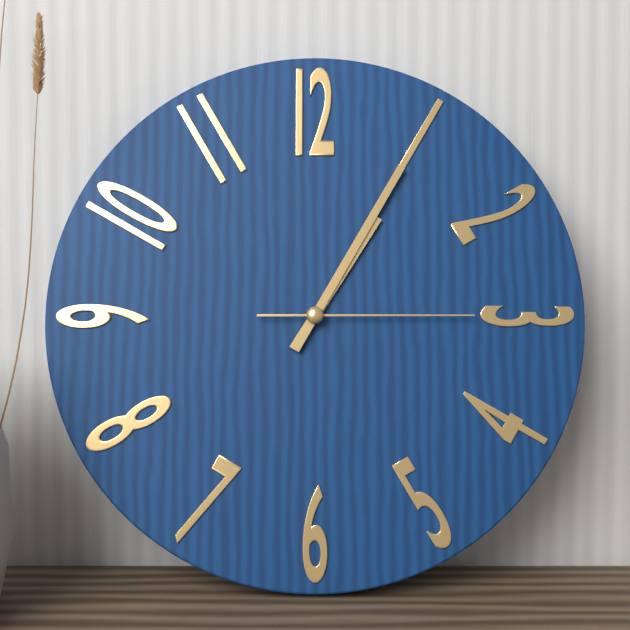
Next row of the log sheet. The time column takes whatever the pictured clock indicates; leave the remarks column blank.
1:05:15
